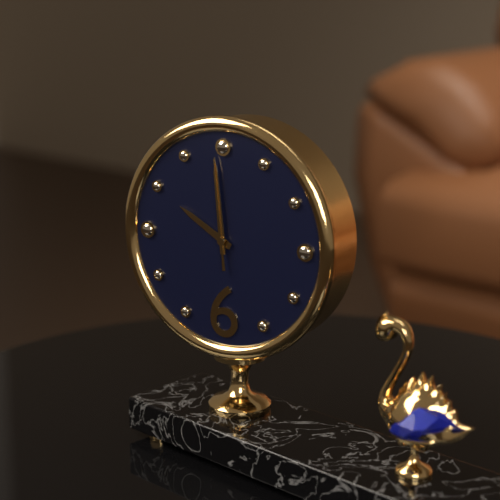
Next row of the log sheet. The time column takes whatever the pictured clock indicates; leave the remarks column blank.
9:59:59
